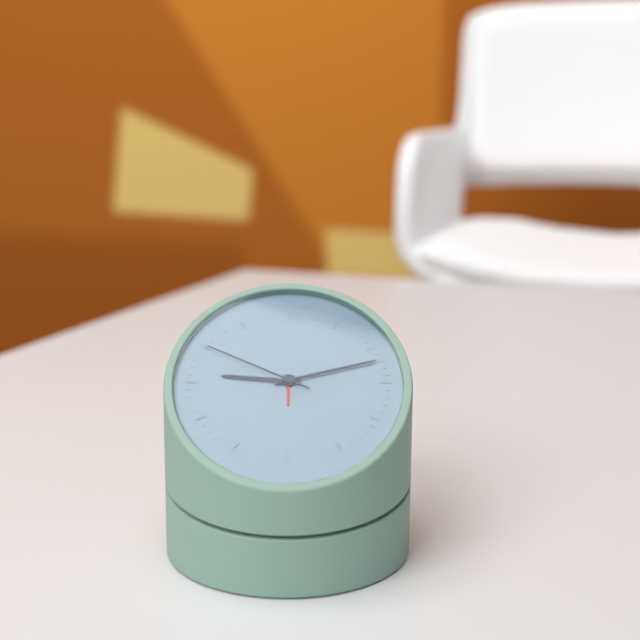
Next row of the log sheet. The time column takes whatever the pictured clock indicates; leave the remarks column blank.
9:12:50
